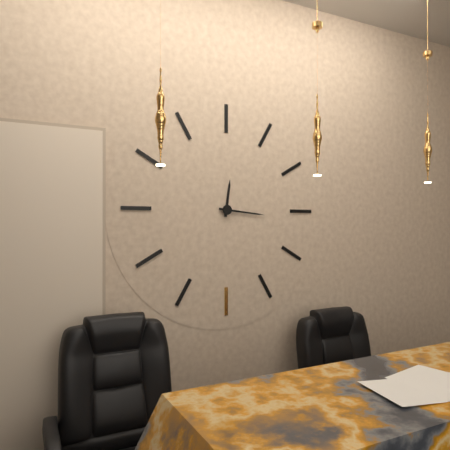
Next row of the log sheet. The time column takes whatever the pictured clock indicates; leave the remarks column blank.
12:16
